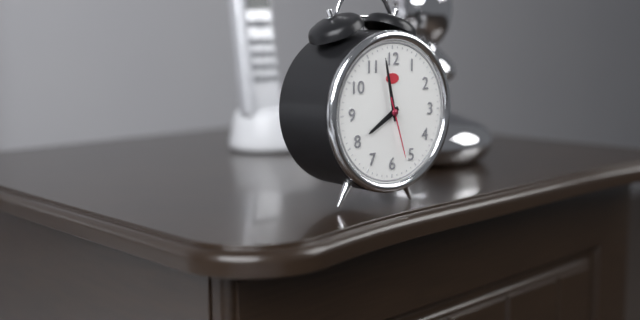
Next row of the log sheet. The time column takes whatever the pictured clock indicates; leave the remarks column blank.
7:58:27
